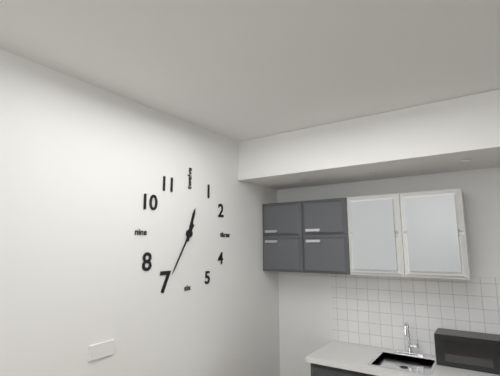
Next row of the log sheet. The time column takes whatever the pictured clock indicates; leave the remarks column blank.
12:35
